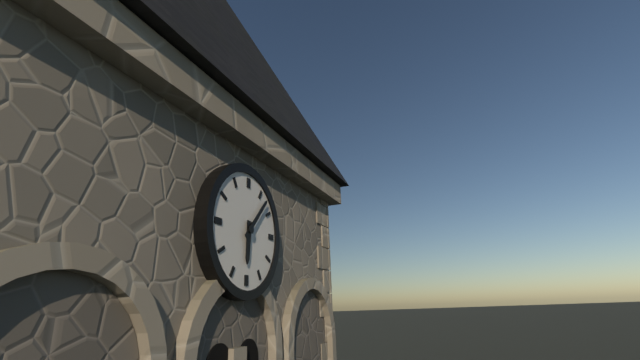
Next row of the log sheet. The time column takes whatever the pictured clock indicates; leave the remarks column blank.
6:07
